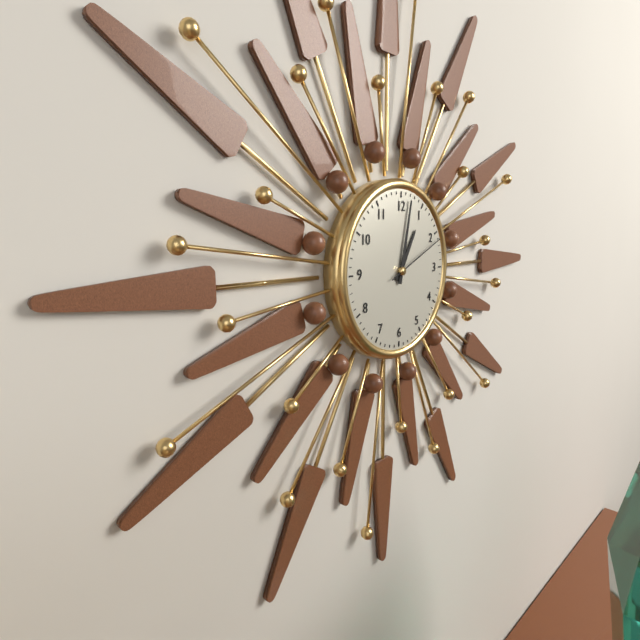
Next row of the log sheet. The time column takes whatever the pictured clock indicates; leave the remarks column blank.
1:02:11
